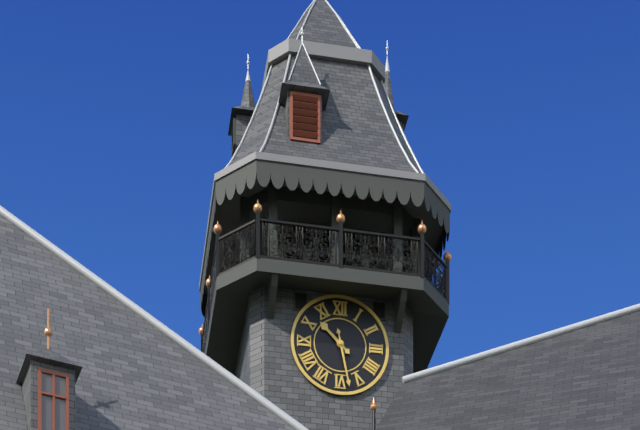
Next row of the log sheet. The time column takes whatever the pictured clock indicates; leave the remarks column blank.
10:28
